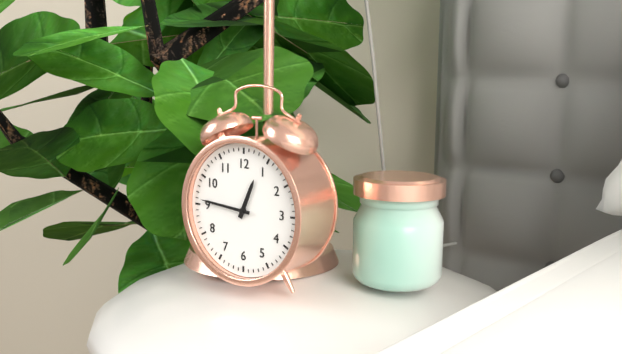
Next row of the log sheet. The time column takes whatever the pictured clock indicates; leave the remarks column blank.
12:46
